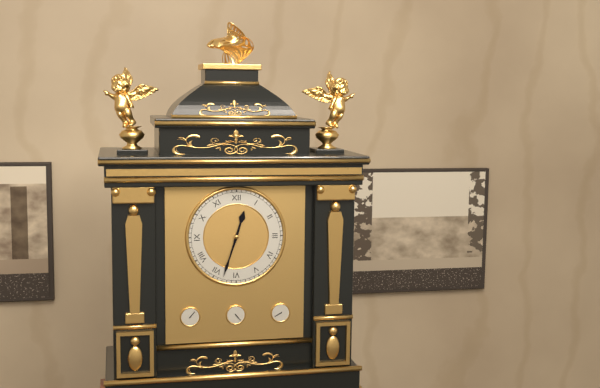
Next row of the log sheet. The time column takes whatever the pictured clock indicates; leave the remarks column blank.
12:33
